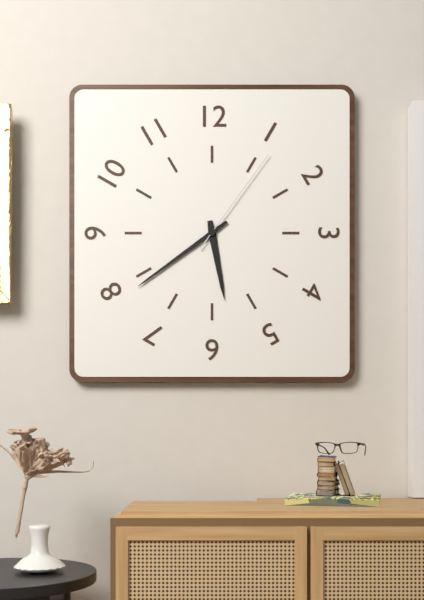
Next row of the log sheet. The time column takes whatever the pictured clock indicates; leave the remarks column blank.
5:39:06
